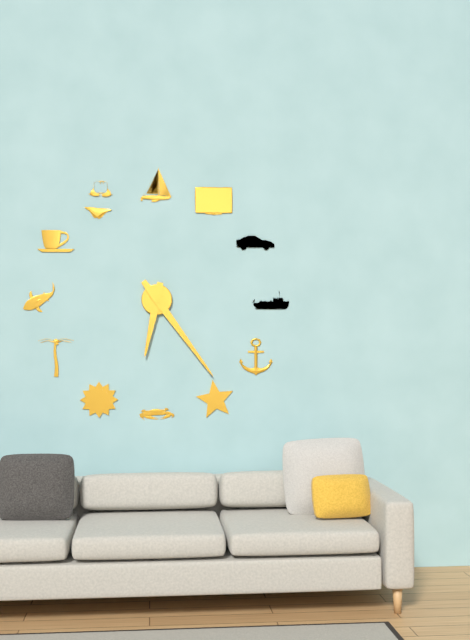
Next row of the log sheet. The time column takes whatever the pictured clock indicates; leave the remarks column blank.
6:24
